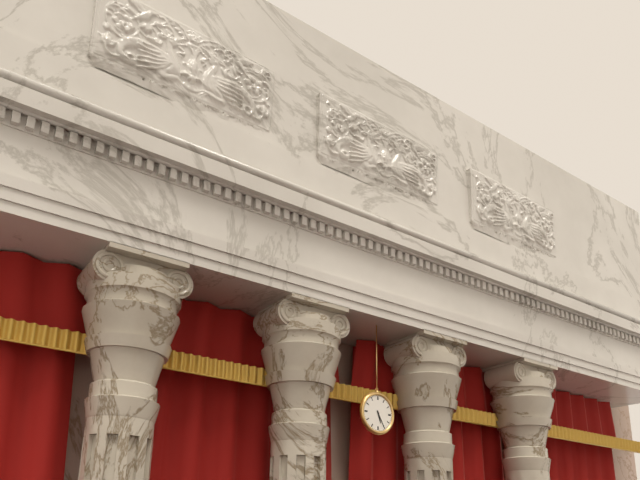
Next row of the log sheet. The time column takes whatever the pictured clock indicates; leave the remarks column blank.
5:25
